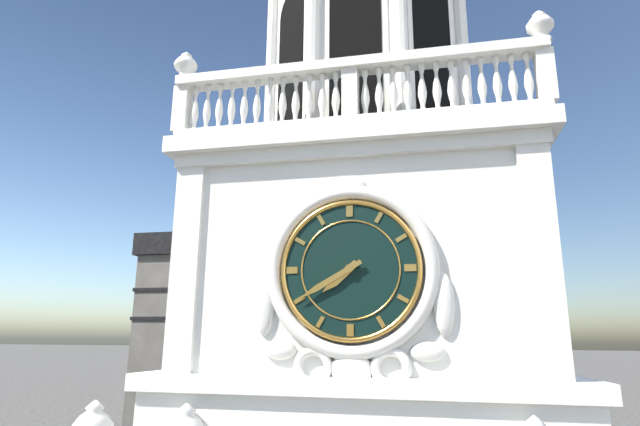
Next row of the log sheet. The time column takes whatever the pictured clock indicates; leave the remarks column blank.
7:40
